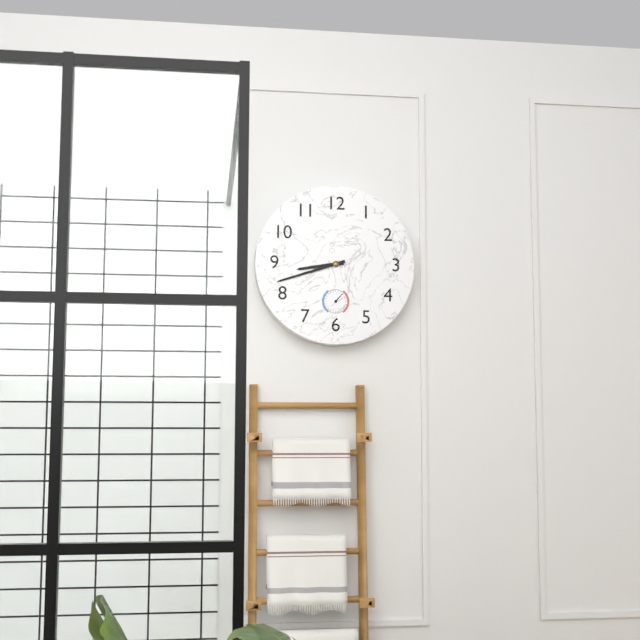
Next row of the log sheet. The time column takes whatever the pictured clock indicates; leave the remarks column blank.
8:42
